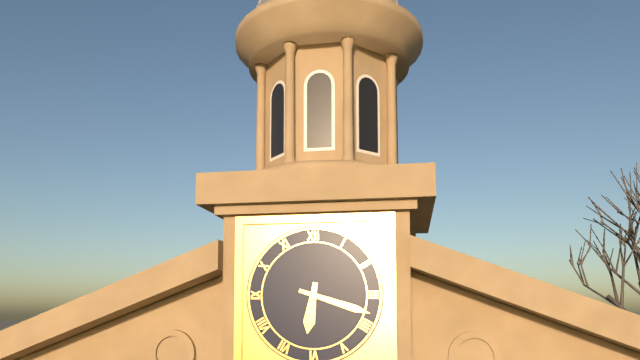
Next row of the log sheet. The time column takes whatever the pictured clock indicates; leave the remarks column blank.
6:18
